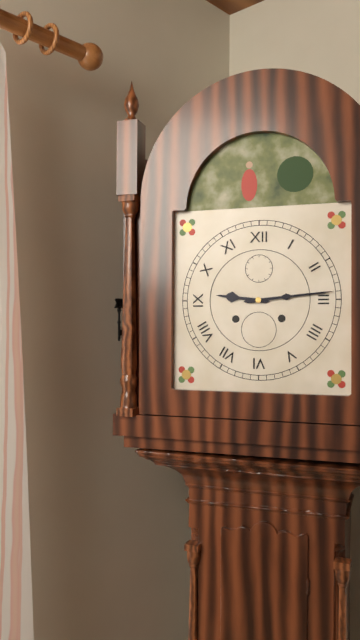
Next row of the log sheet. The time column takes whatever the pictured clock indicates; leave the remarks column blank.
9:14
